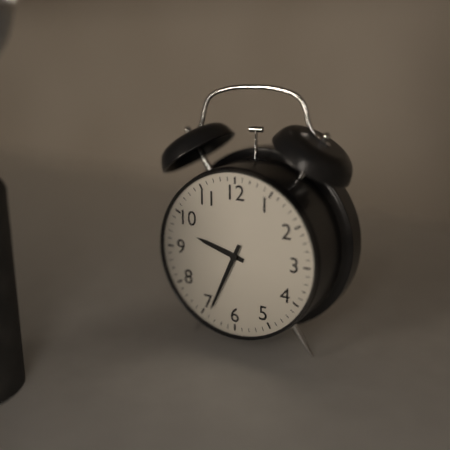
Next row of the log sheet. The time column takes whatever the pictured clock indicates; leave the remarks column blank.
9:34
